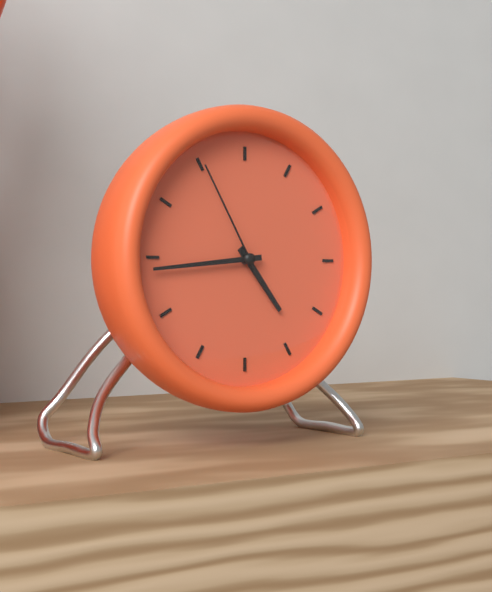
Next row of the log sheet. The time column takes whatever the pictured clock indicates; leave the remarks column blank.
4:44:55
